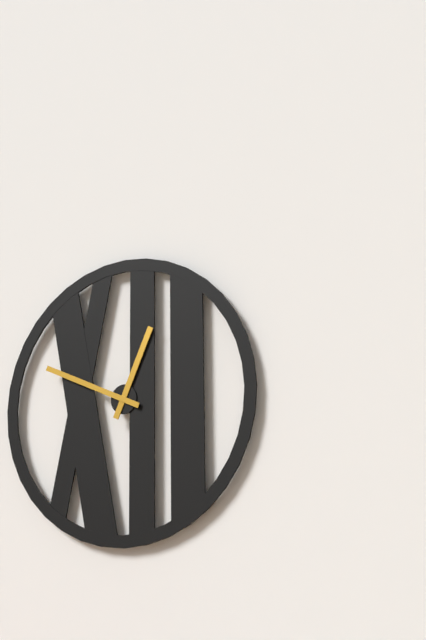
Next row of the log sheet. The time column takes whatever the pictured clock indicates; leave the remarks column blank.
12:49
